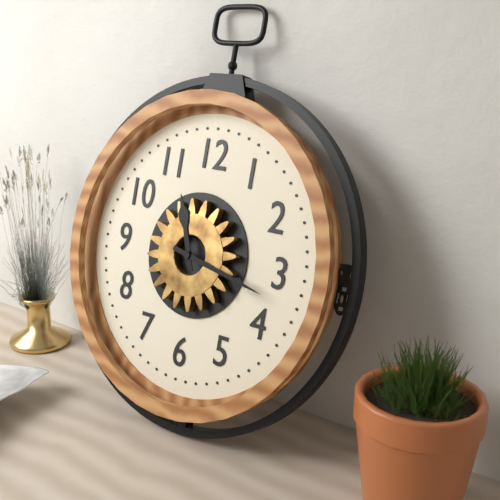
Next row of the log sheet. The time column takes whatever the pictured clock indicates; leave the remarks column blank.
11:17
